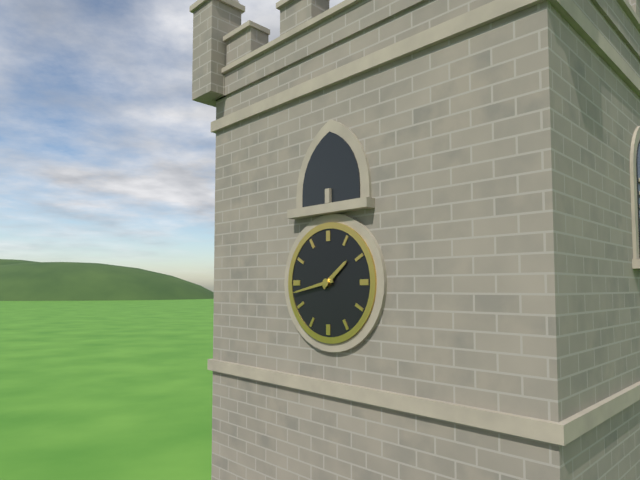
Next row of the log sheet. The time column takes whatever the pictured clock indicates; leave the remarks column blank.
1:43
